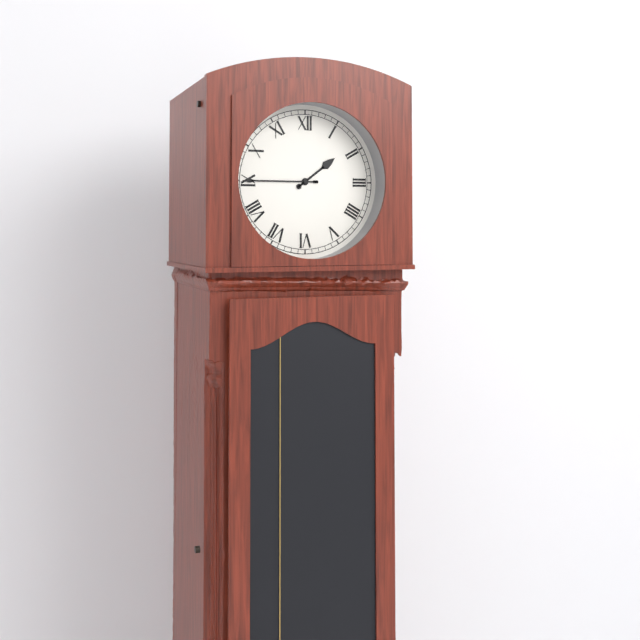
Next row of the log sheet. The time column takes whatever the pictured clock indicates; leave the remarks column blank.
1:45
